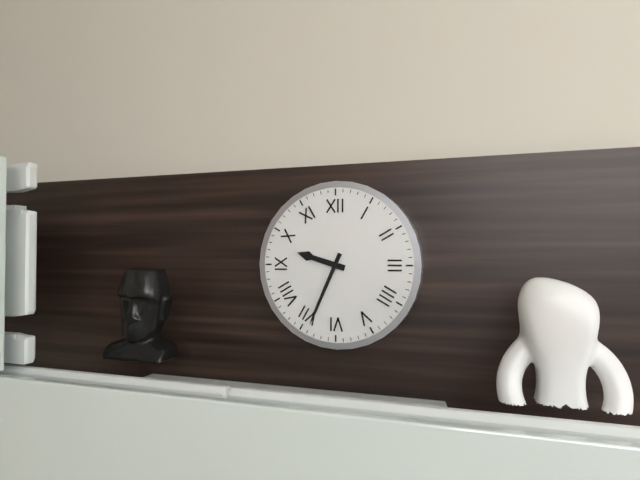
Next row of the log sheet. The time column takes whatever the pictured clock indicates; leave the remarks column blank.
9:34
